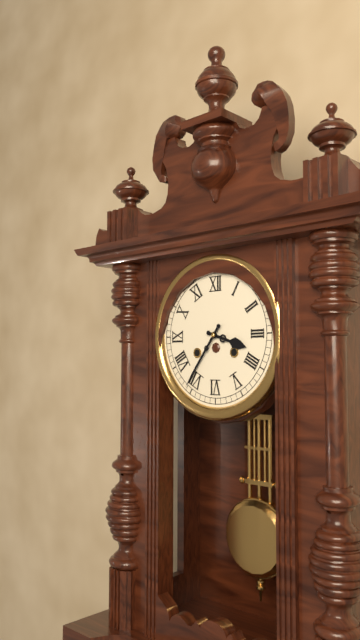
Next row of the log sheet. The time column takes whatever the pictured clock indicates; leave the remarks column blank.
3:36
